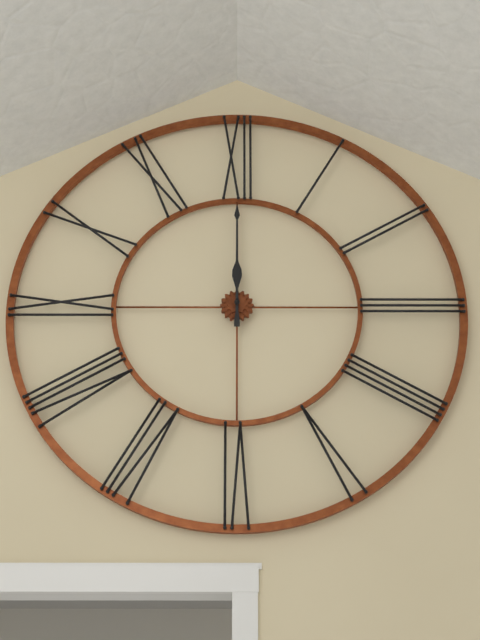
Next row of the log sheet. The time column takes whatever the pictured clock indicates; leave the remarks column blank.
12:00
